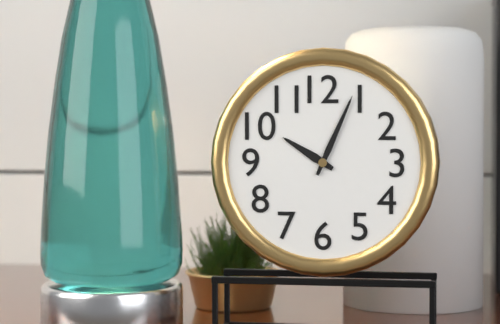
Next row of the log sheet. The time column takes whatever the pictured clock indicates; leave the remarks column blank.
10:04
